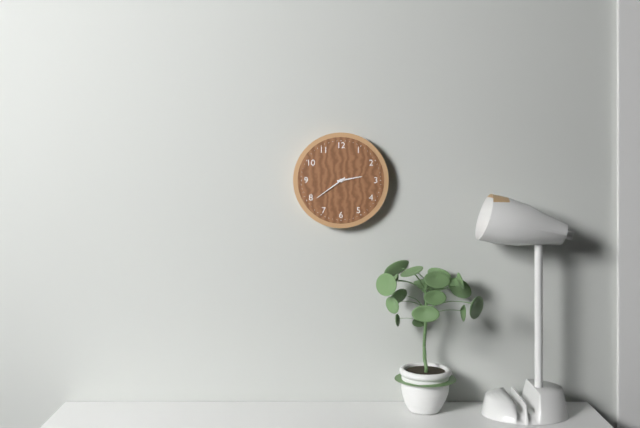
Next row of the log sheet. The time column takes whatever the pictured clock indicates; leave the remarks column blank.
2:39
